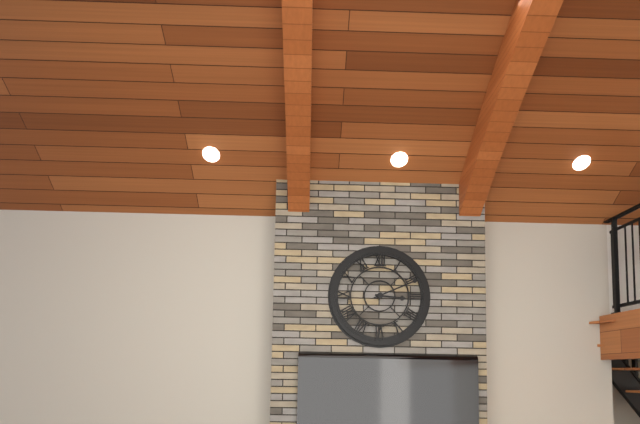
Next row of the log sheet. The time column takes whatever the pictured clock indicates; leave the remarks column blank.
3:11
